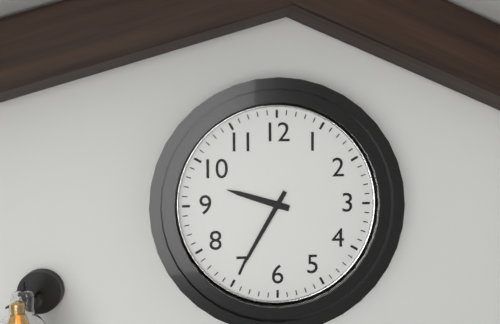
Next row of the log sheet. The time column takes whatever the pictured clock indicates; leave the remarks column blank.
9:35
